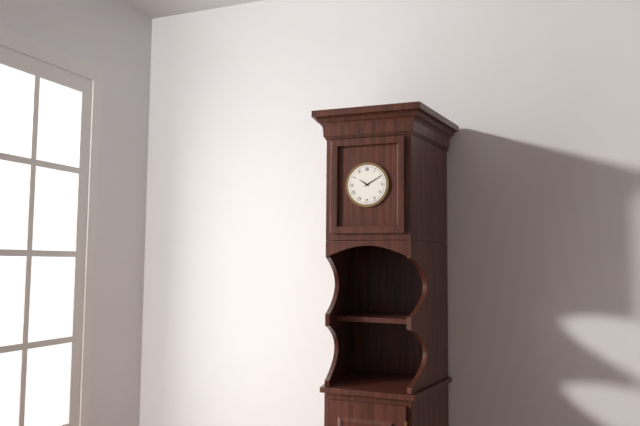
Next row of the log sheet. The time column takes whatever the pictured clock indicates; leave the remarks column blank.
10:10
